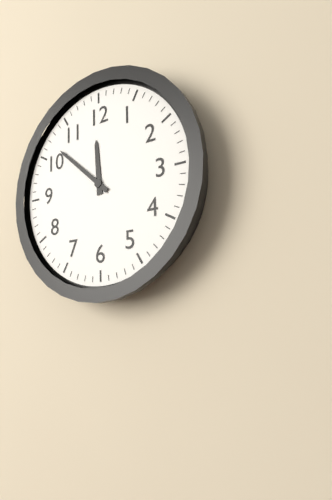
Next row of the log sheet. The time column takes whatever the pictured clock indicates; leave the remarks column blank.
11:52
